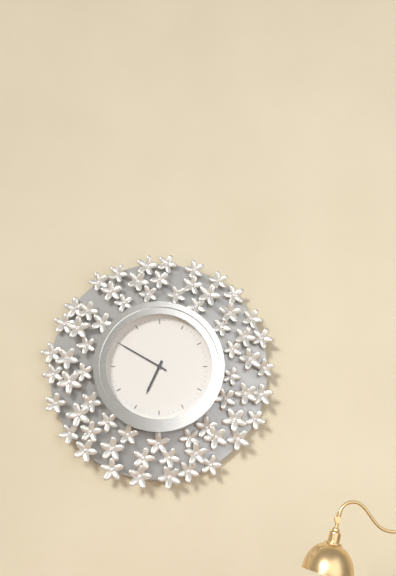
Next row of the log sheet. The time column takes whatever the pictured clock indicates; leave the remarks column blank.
6:50
